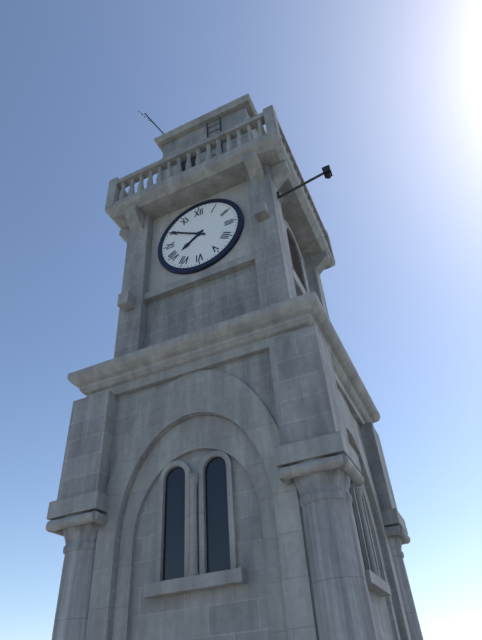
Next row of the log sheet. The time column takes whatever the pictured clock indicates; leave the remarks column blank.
7:50
